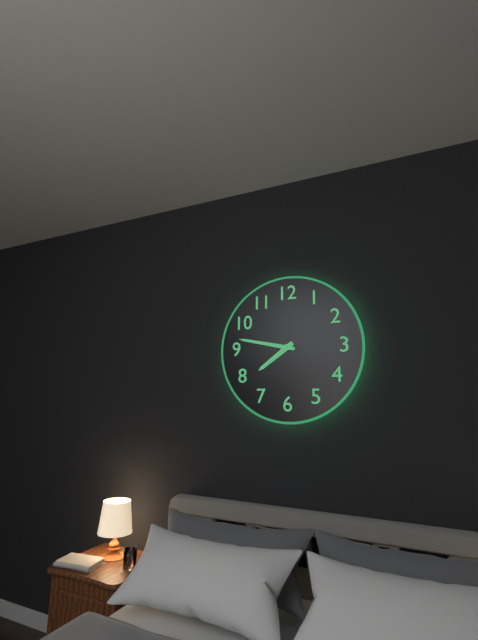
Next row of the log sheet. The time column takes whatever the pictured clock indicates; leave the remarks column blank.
7:47
